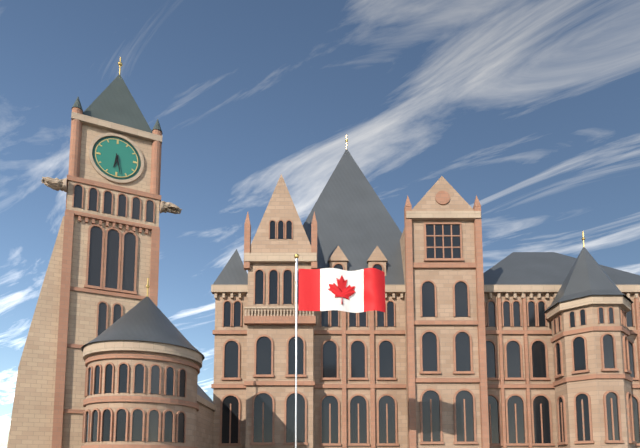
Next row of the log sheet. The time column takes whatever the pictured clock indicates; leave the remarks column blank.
6:28
